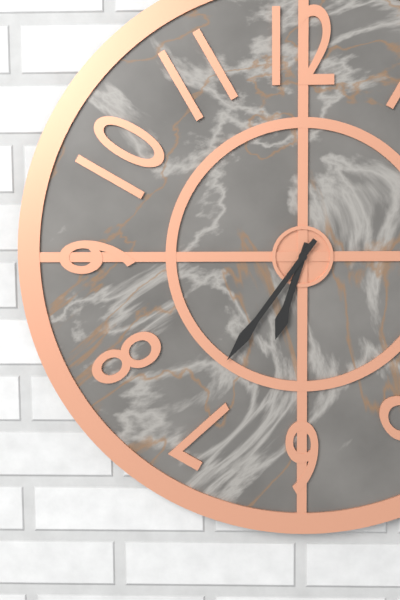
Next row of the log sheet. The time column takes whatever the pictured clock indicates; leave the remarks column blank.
6:36
